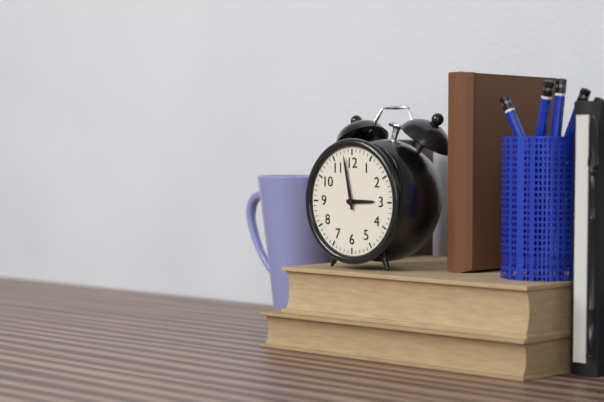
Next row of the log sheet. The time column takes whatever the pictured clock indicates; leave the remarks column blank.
2:58
